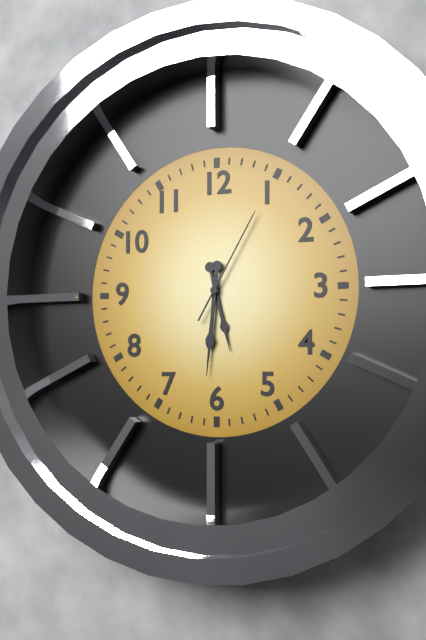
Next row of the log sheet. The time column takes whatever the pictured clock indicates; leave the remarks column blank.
5:31:05
